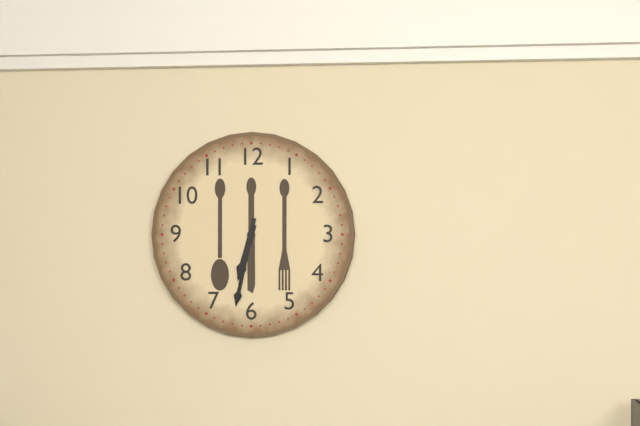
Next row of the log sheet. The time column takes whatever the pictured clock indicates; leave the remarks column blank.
6:32
